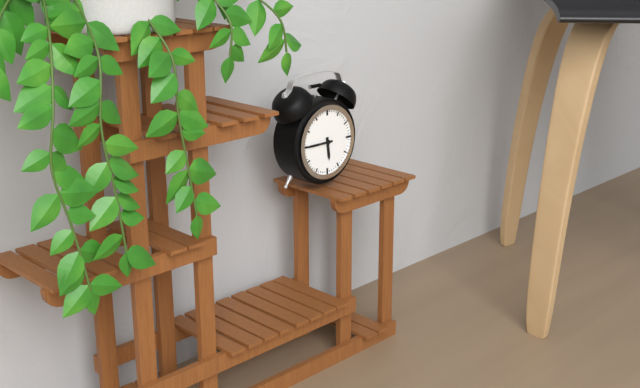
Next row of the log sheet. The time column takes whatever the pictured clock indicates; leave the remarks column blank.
5:45
